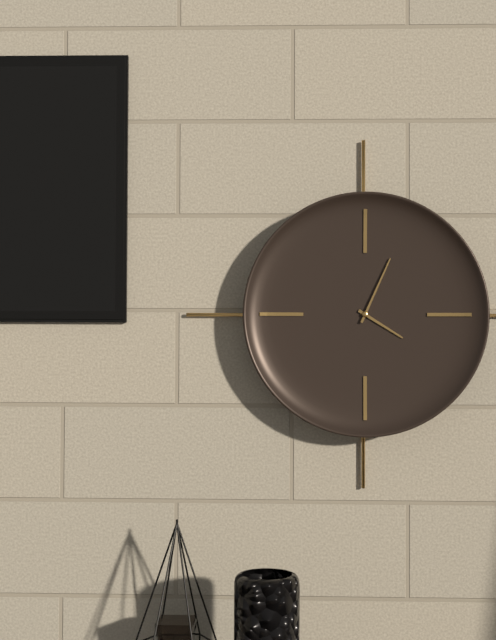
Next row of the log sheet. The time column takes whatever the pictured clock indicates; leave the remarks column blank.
4:04
